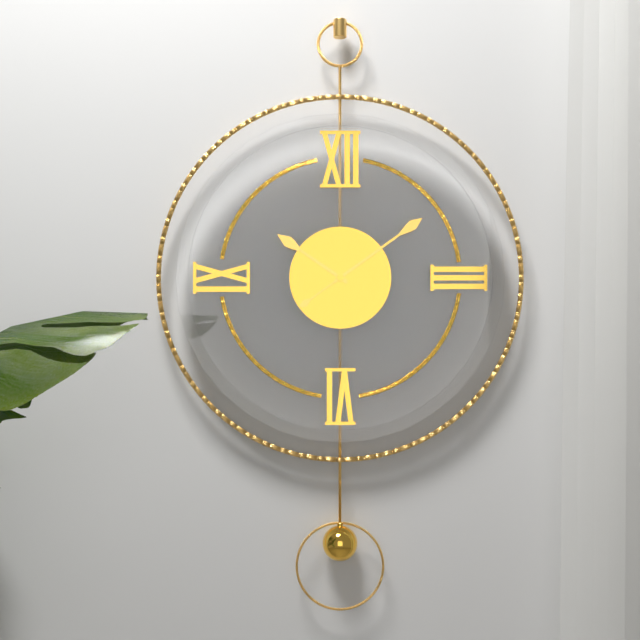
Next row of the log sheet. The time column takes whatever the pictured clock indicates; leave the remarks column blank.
10:09
